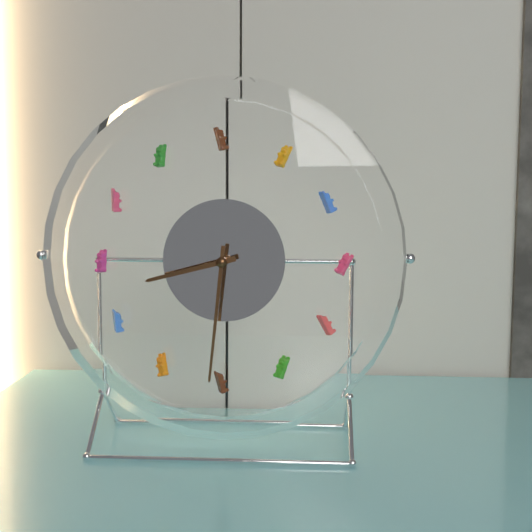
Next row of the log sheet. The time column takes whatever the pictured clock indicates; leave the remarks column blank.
8:31
